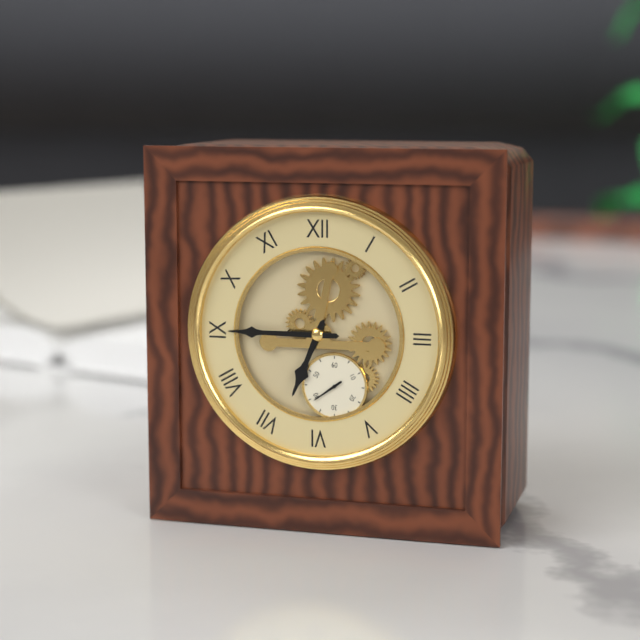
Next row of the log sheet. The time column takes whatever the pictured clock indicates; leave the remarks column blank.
6:45
